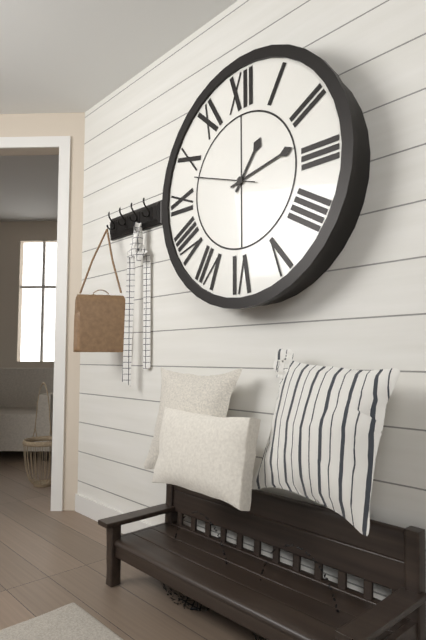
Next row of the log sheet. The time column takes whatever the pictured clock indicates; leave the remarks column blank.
1:13:48
